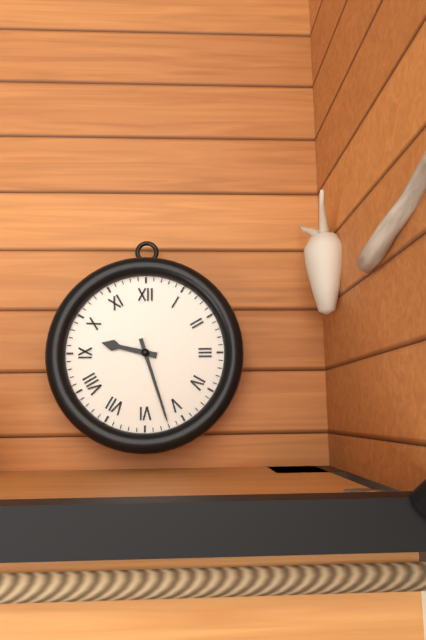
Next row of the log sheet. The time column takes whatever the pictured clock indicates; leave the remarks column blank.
9:27
